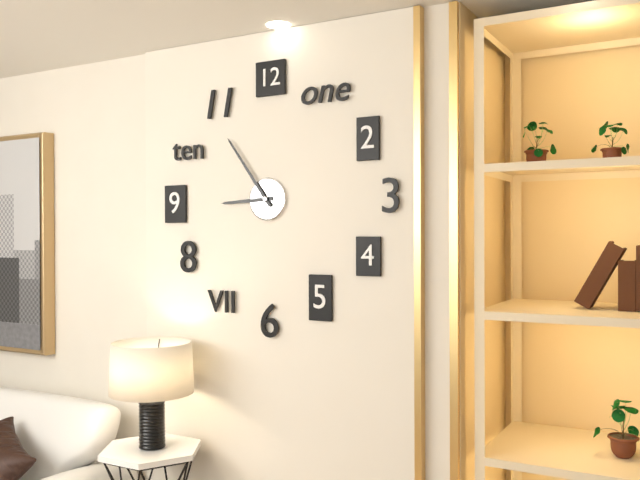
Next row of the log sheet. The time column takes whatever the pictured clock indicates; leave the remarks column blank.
8:54
